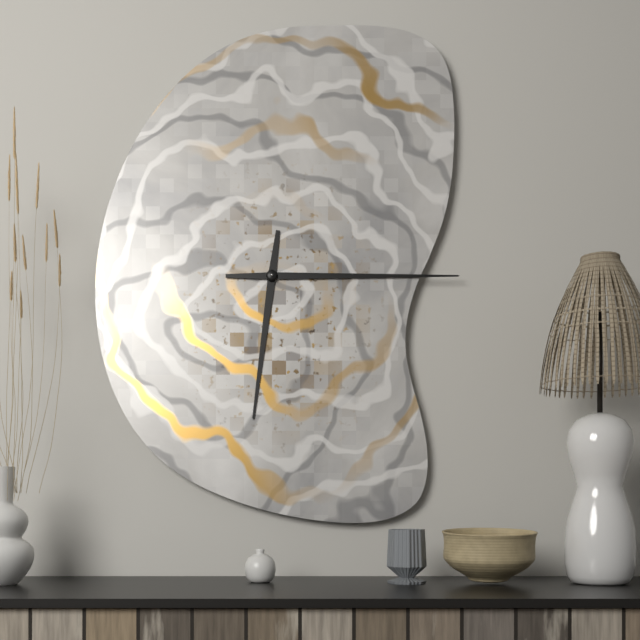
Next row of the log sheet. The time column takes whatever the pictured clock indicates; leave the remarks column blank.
6:15
